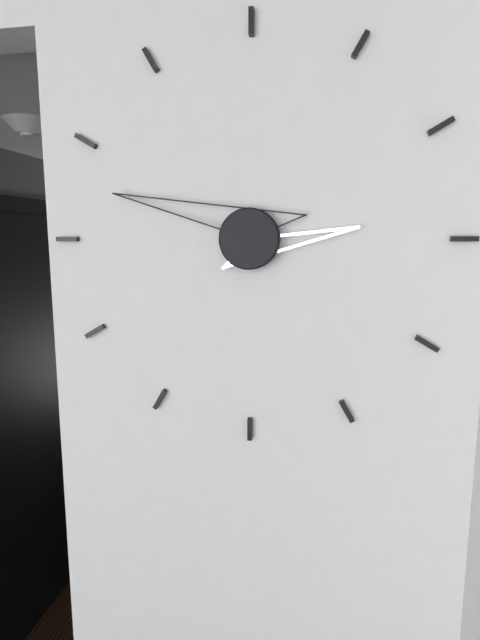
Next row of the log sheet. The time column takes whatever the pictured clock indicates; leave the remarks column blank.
2:48
